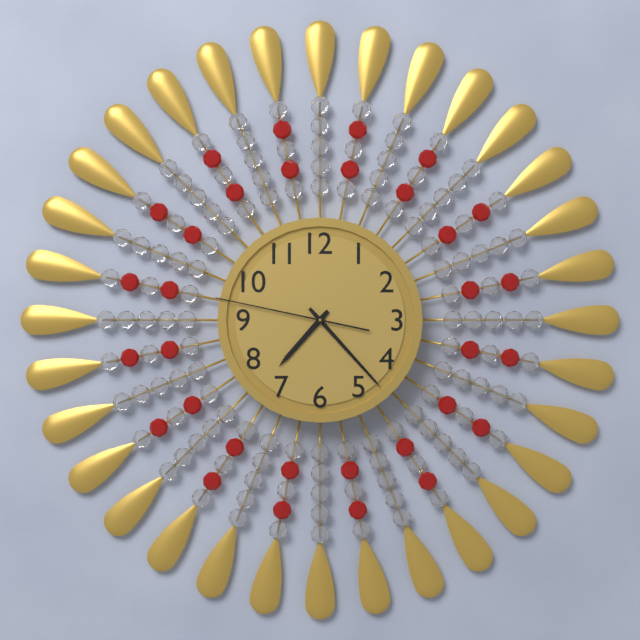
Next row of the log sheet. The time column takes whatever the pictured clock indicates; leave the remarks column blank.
7:23:47
